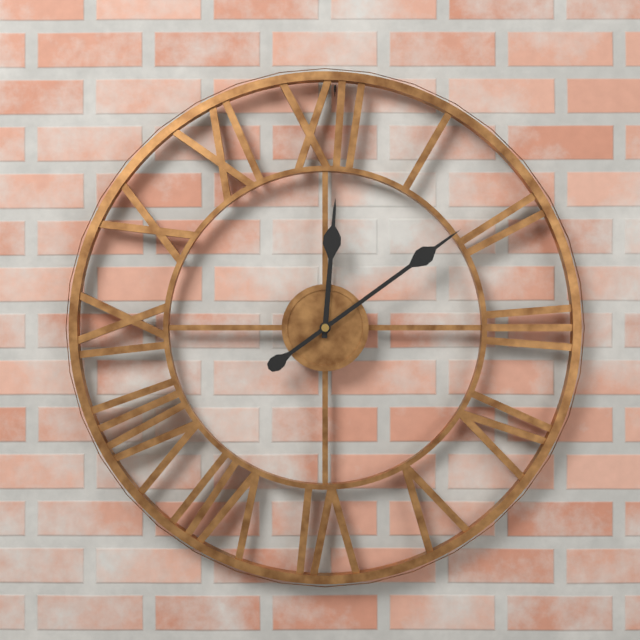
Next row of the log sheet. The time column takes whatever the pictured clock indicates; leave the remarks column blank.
12:09
